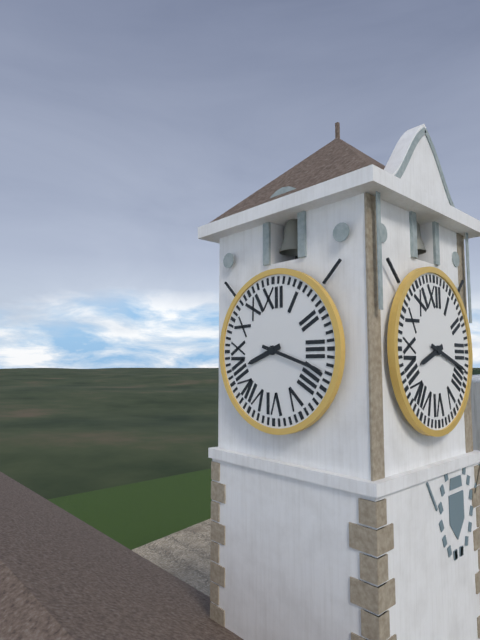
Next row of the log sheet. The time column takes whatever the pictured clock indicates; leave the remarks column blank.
8:18
